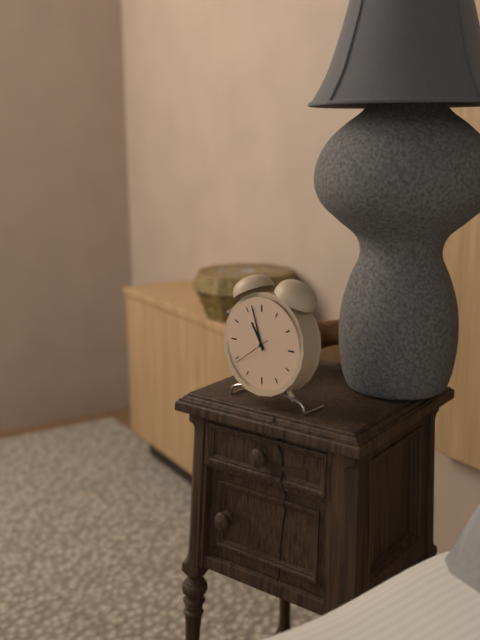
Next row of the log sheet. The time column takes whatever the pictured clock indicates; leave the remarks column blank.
10:57
